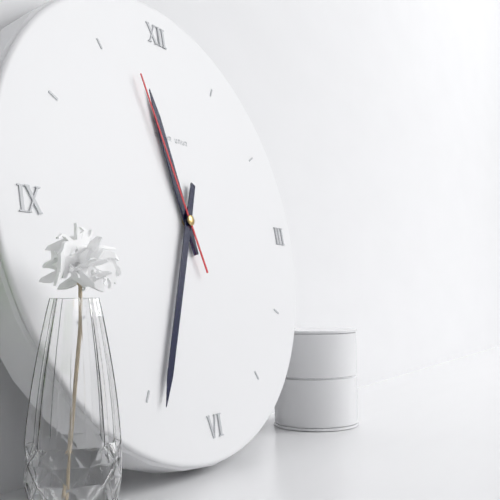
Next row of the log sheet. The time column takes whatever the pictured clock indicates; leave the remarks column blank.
11:34:57
